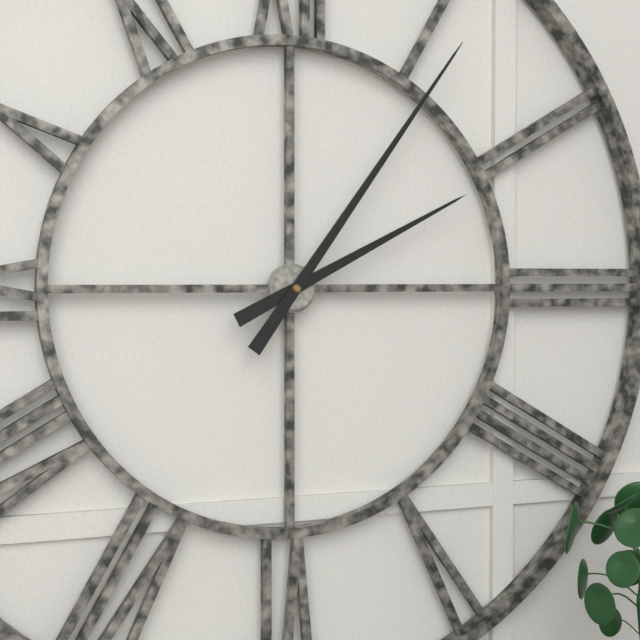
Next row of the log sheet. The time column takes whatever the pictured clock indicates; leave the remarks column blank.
2:06
